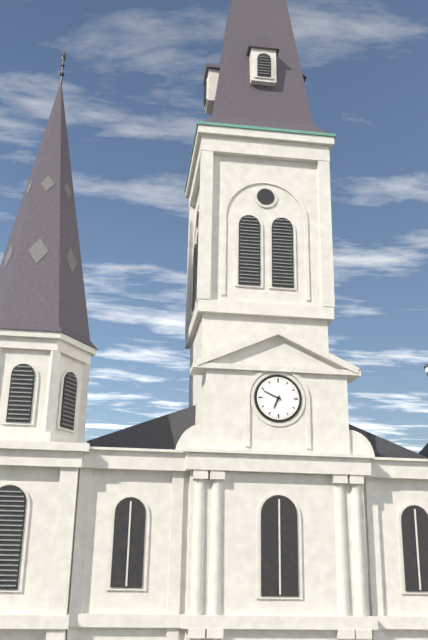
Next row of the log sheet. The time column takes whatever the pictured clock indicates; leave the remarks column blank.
6:49
